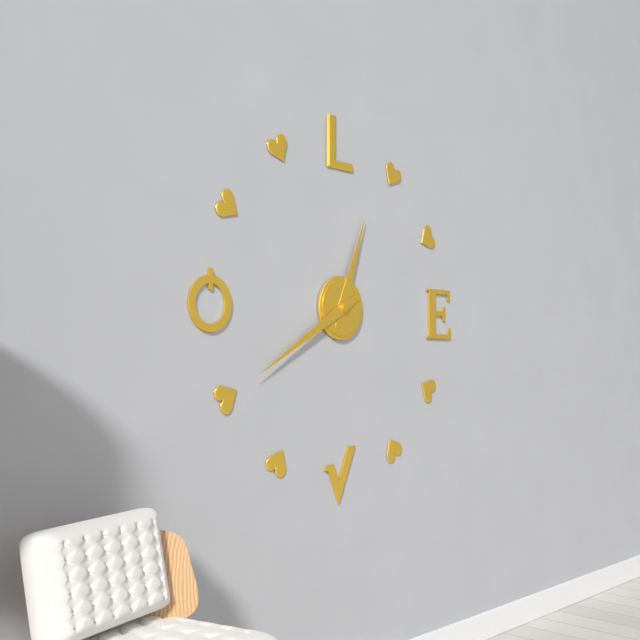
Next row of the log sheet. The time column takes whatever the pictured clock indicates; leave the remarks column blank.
12:40
